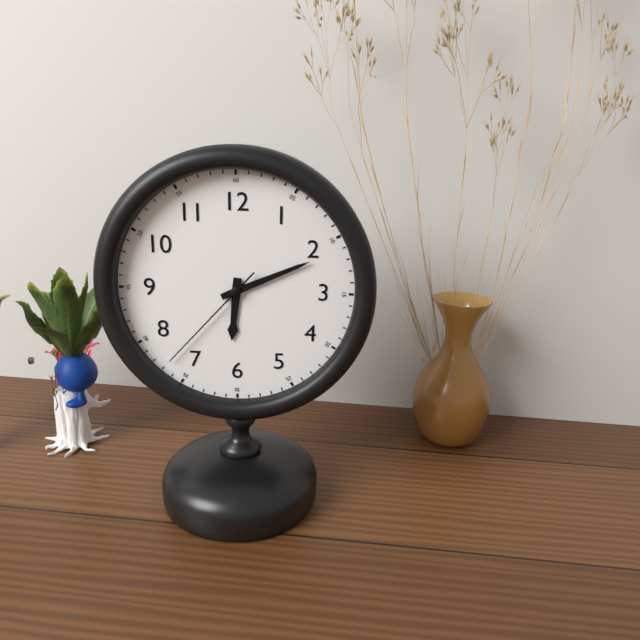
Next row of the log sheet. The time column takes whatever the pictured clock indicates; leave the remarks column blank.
6:11:37
